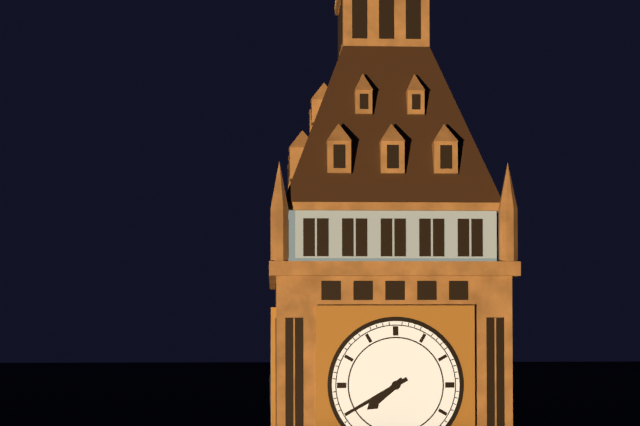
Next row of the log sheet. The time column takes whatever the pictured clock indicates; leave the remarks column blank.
7:40
